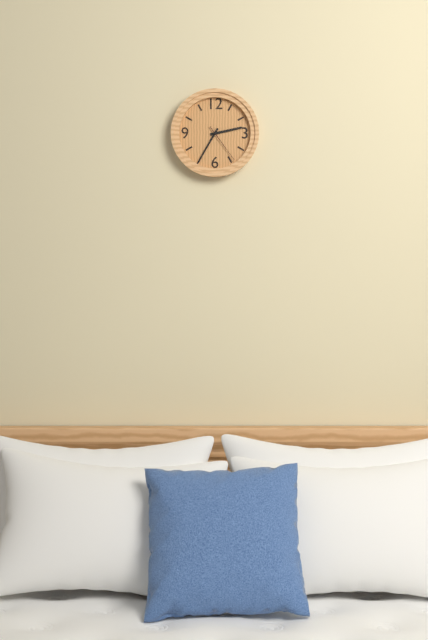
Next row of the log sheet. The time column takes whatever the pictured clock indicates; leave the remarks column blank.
2:35
